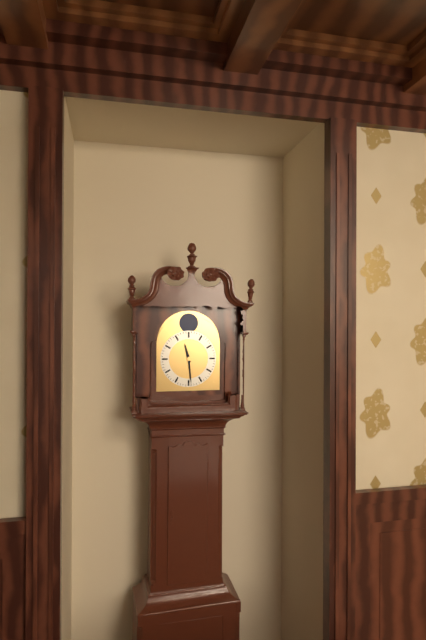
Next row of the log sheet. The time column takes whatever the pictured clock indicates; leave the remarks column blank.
11:29
